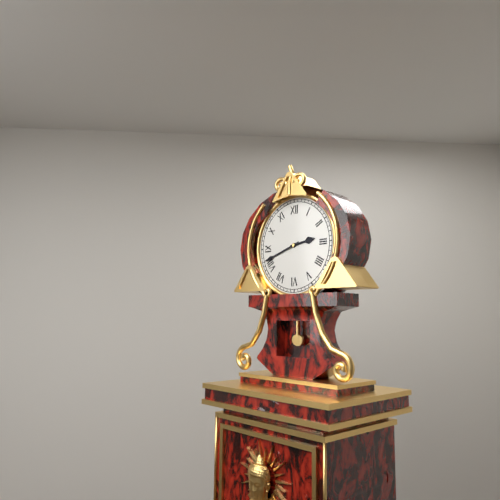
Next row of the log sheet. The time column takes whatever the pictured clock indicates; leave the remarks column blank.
2:42
